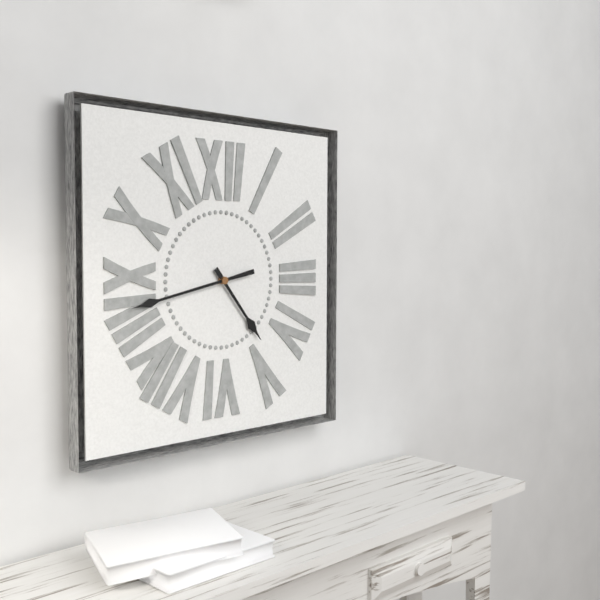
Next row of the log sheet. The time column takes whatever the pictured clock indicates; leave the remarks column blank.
4:43
